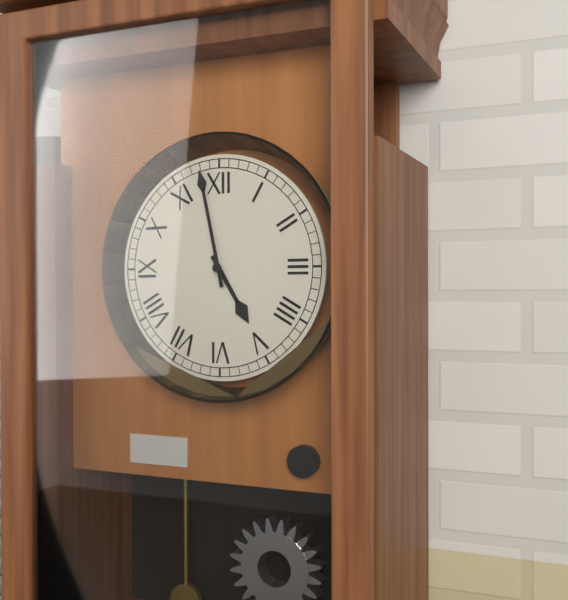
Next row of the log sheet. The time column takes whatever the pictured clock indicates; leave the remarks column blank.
4:58
